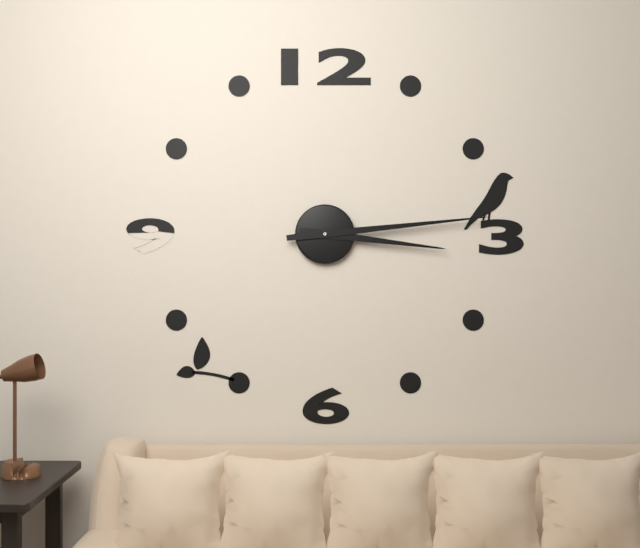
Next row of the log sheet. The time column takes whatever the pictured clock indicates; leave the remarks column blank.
3:14
